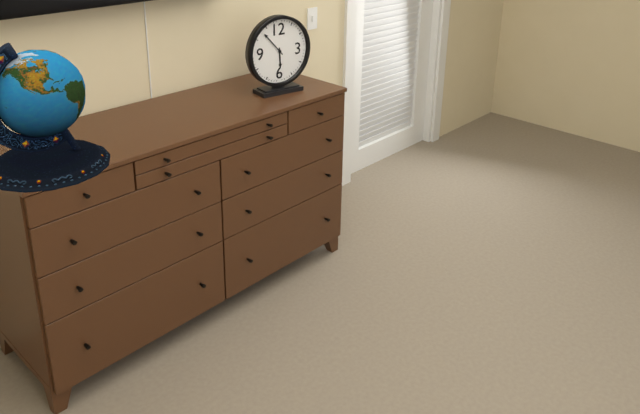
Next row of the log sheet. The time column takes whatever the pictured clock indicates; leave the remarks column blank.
5:53
